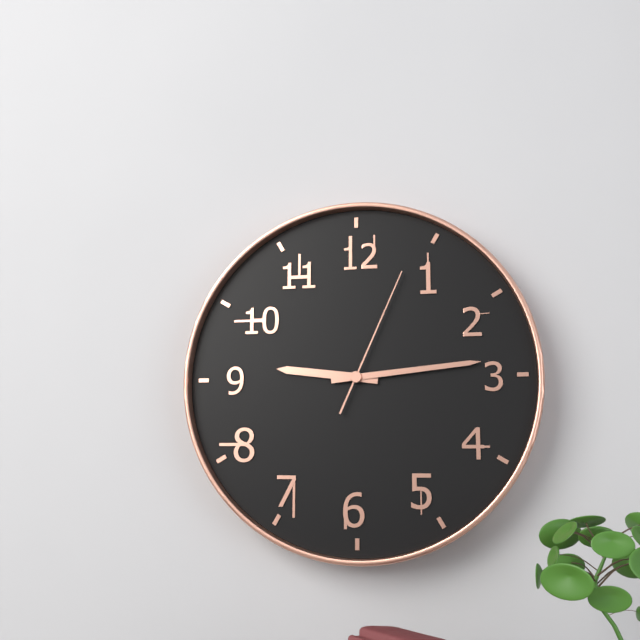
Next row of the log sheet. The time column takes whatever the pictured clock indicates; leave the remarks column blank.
9:14:04
